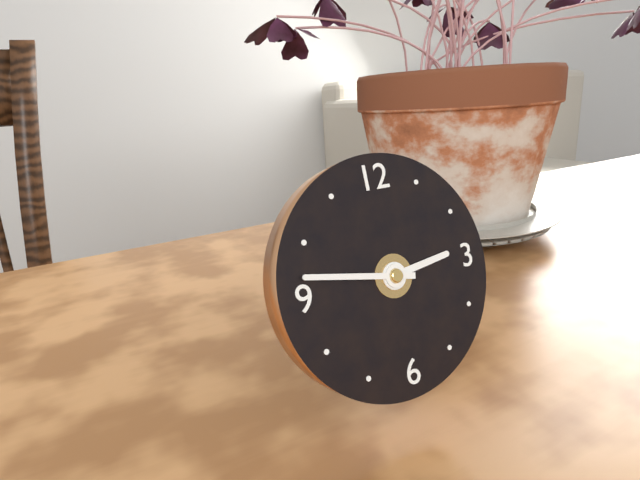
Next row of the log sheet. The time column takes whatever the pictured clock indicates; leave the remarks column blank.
2:47
